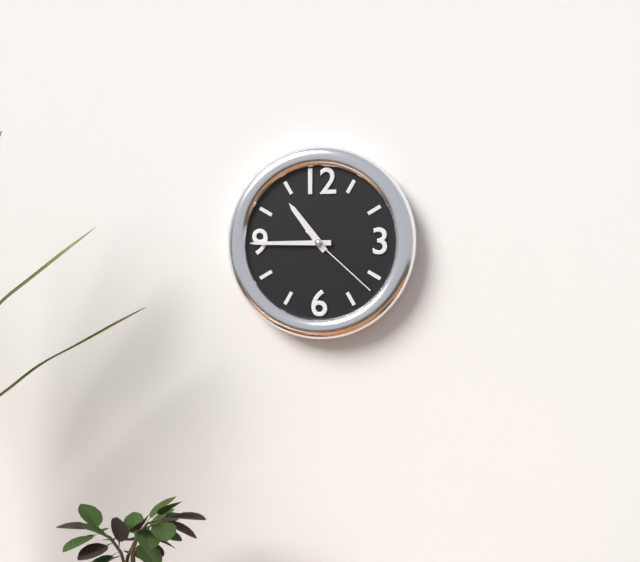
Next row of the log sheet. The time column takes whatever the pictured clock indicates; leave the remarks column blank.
10:45:22
